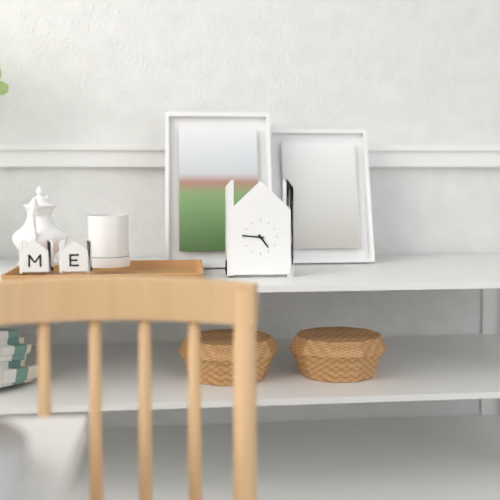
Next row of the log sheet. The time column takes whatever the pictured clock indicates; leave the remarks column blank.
4:46
